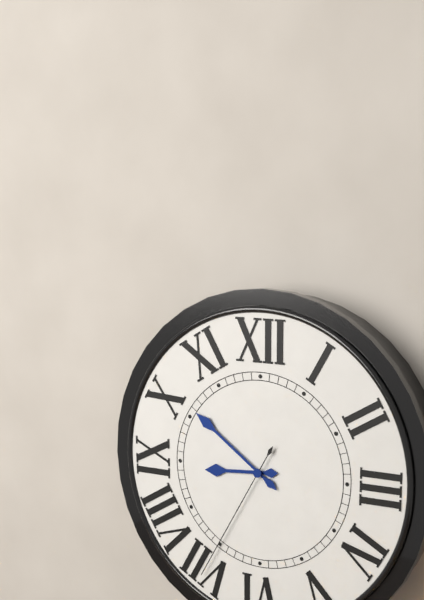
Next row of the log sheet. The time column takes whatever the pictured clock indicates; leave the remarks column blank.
8:51:35
